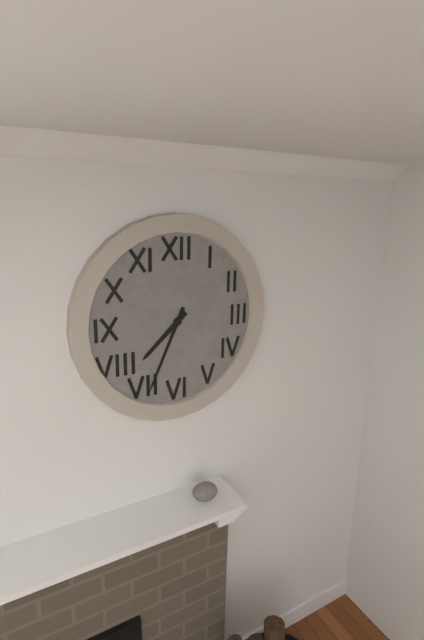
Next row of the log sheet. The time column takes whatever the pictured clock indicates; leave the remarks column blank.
7:34
